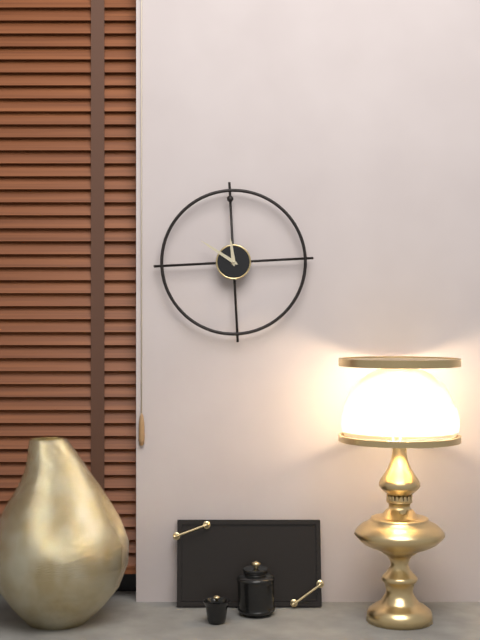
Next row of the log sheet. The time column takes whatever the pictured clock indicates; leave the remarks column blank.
11:51
